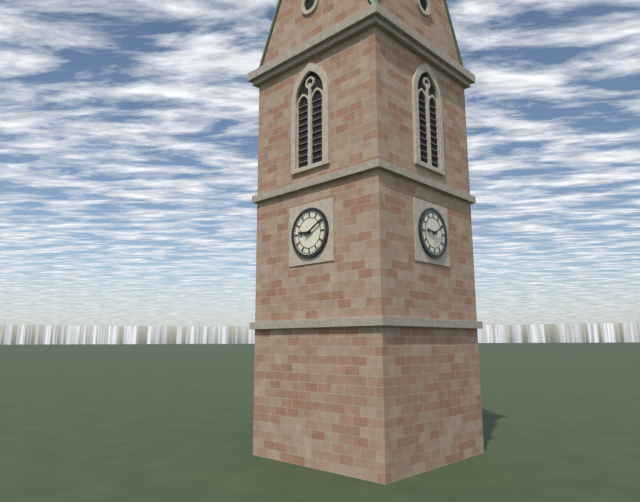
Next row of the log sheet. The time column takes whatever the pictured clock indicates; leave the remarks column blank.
9:10
